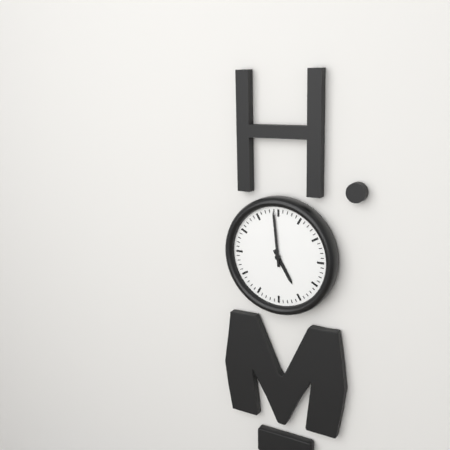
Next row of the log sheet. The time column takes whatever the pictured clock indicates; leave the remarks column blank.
4:59
